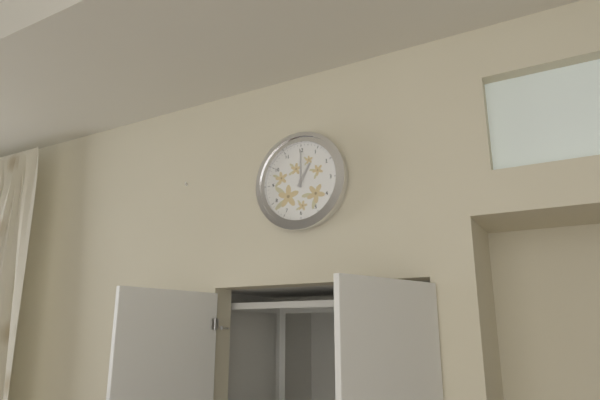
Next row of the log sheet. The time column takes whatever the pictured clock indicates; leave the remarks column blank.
1:00
